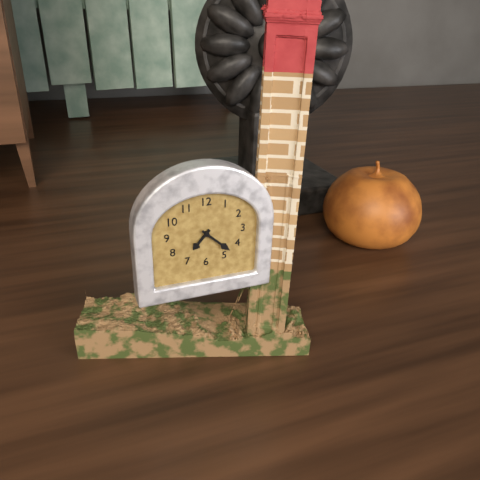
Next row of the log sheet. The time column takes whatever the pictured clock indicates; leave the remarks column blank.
7:22
